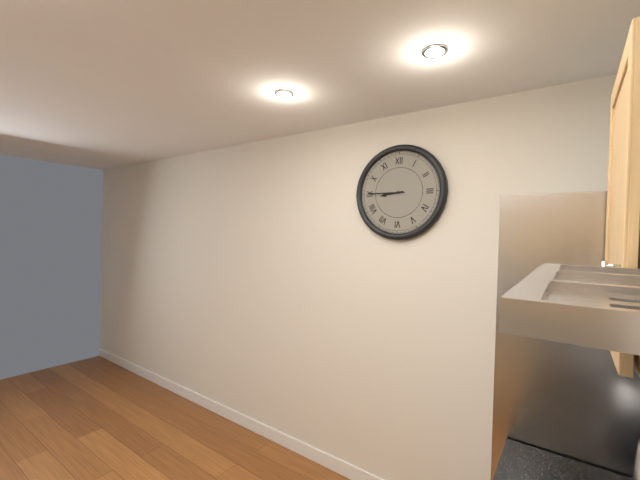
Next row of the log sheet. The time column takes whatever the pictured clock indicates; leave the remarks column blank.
8:45
